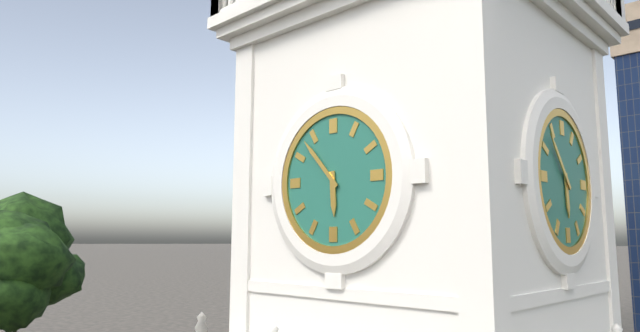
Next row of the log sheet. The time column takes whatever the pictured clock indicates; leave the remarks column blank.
5:53
